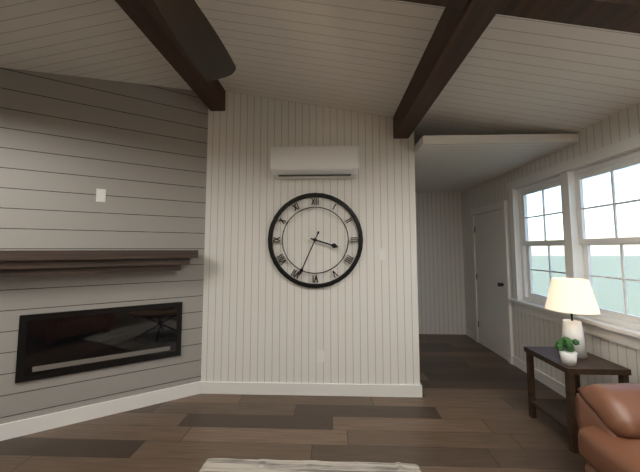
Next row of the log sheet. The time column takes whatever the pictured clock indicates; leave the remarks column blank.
3:34
